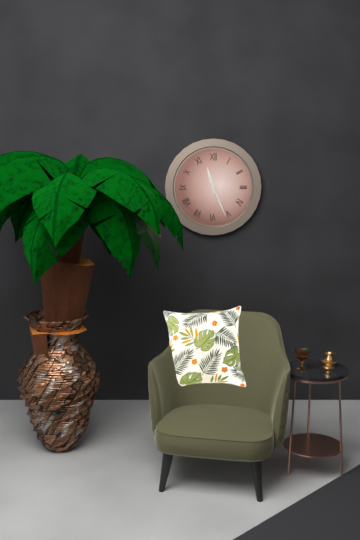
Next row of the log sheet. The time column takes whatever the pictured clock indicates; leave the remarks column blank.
11:26
